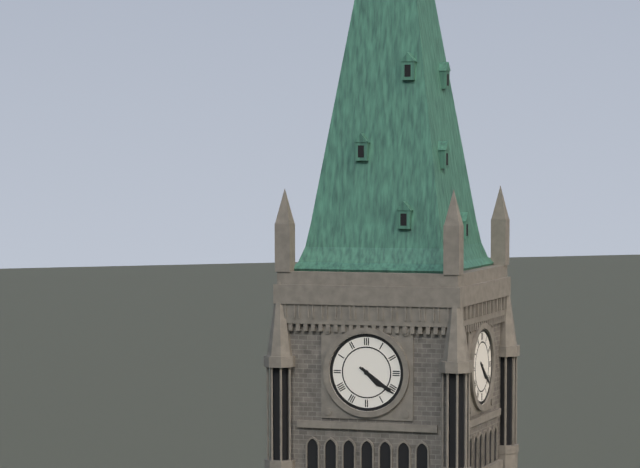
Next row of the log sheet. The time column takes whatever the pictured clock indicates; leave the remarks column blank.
4:21
